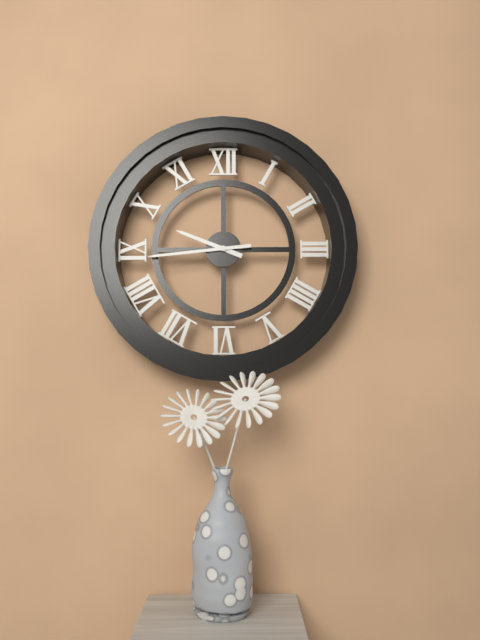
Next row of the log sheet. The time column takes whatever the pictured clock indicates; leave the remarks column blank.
9:44
